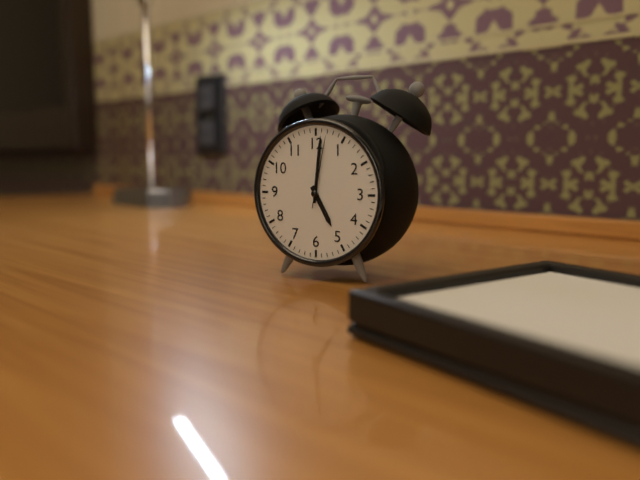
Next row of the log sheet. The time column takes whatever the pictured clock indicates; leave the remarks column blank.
5:01:02
